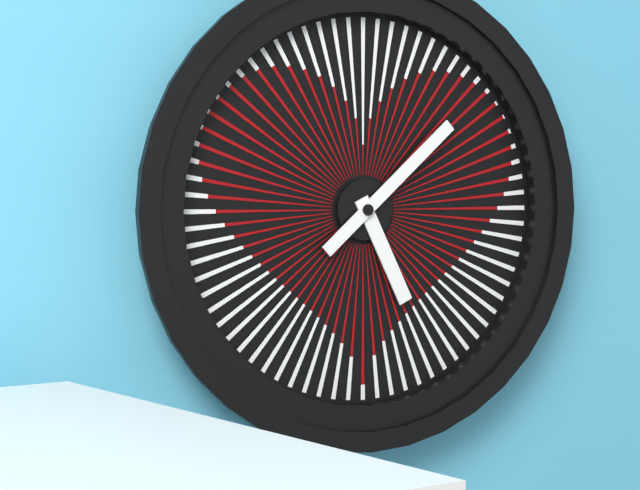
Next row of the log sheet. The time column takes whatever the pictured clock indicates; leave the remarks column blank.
5:08
